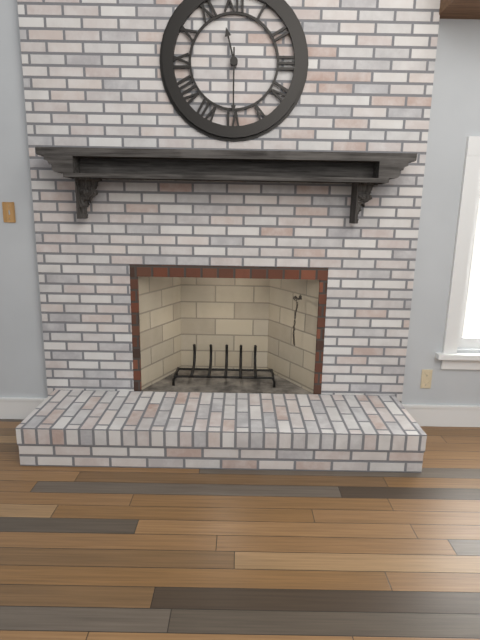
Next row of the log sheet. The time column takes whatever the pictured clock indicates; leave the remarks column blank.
11:30
